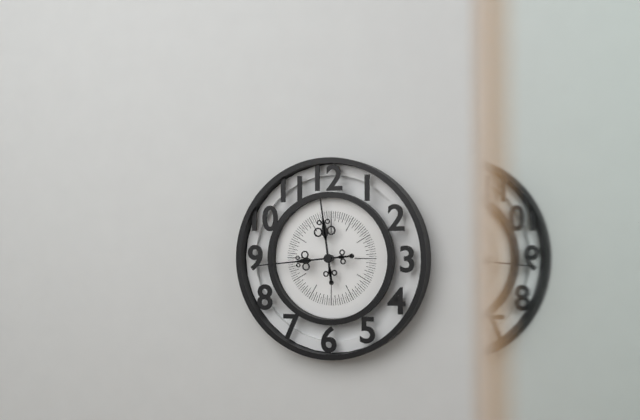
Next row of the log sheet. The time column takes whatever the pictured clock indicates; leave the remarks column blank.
11:44
